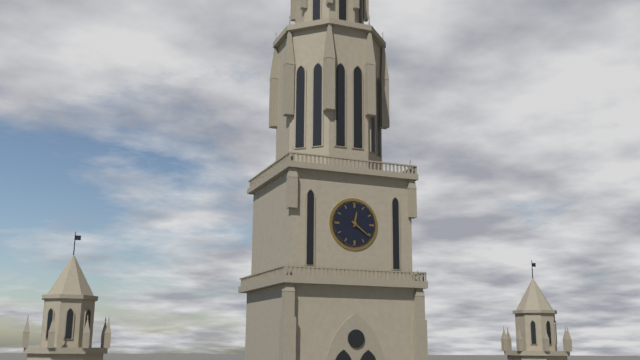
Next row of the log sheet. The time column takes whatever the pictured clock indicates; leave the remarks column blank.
12:21
